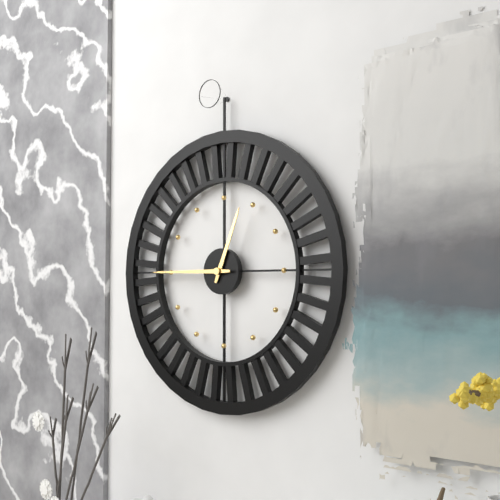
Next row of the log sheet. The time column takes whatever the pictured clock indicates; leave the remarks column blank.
12:45
